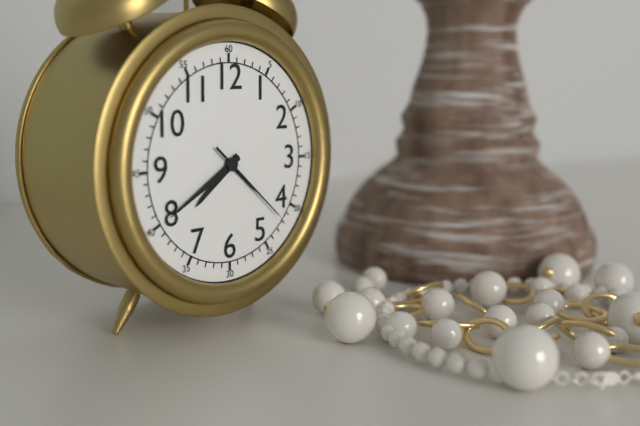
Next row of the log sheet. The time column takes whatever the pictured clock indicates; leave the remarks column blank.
7:40:22
